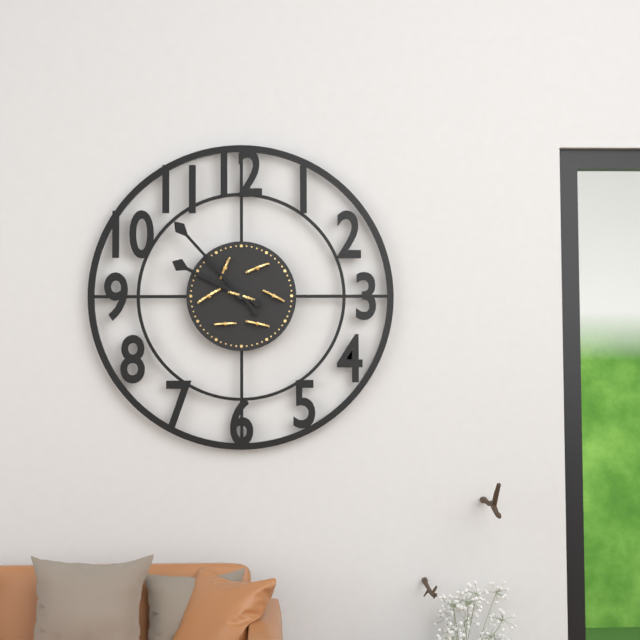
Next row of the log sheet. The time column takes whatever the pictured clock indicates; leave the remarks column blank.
9:53
